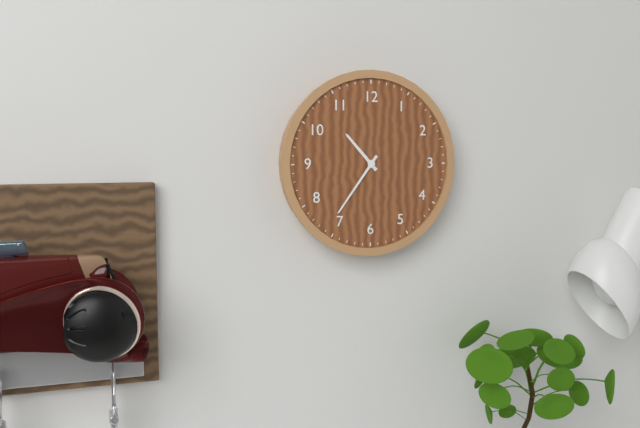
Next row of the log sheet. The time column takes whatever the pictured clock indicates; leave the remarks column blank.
10:36
